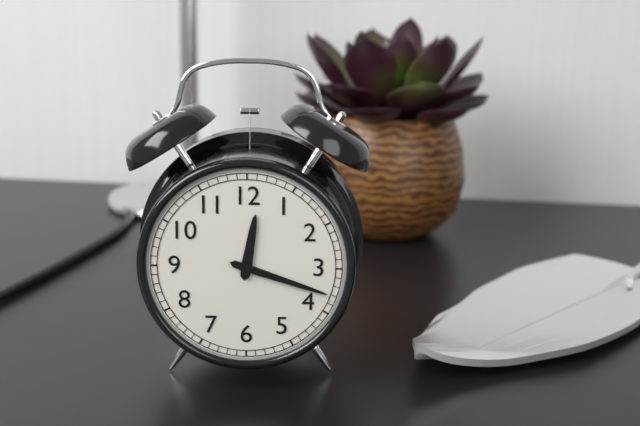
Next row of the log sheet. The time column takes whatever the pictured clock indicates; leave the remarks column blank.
12:18
